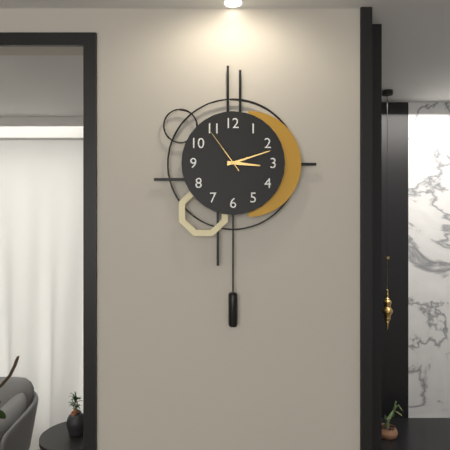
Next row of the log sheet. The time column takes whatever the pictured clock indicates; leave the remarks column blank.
3:12:54
